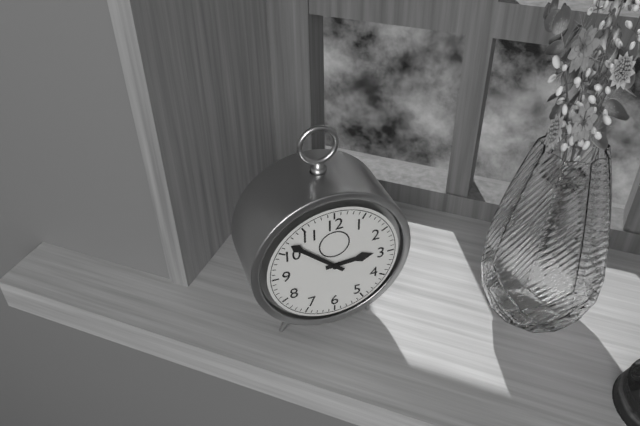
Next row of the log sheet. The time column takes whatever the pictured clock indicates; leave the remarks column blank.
2:52
